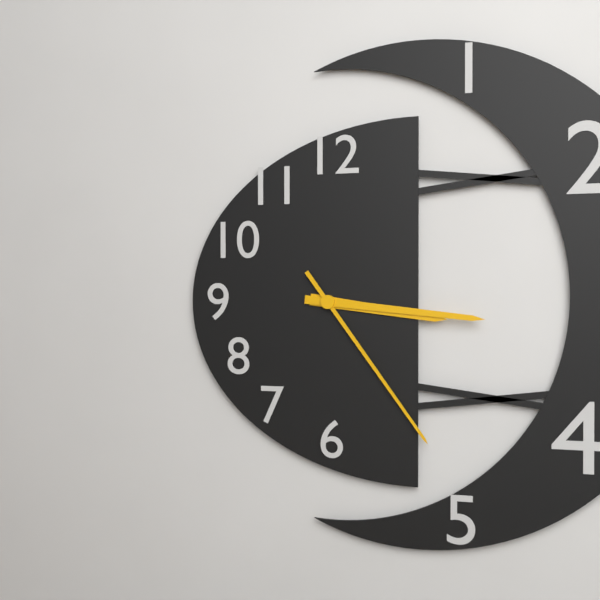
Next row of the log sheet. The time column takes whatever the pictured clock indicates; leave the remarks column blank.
3:16:24
